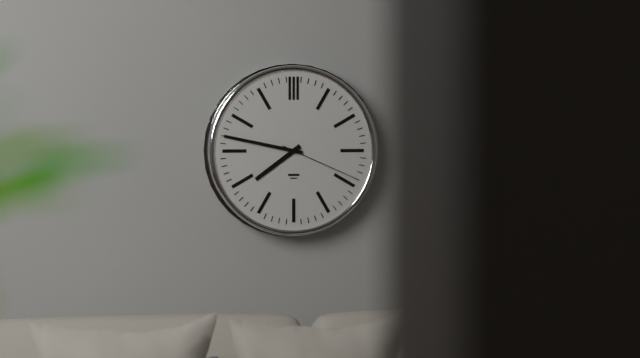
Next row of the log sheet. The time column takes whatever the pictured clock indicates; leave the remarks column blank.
7:47:19
